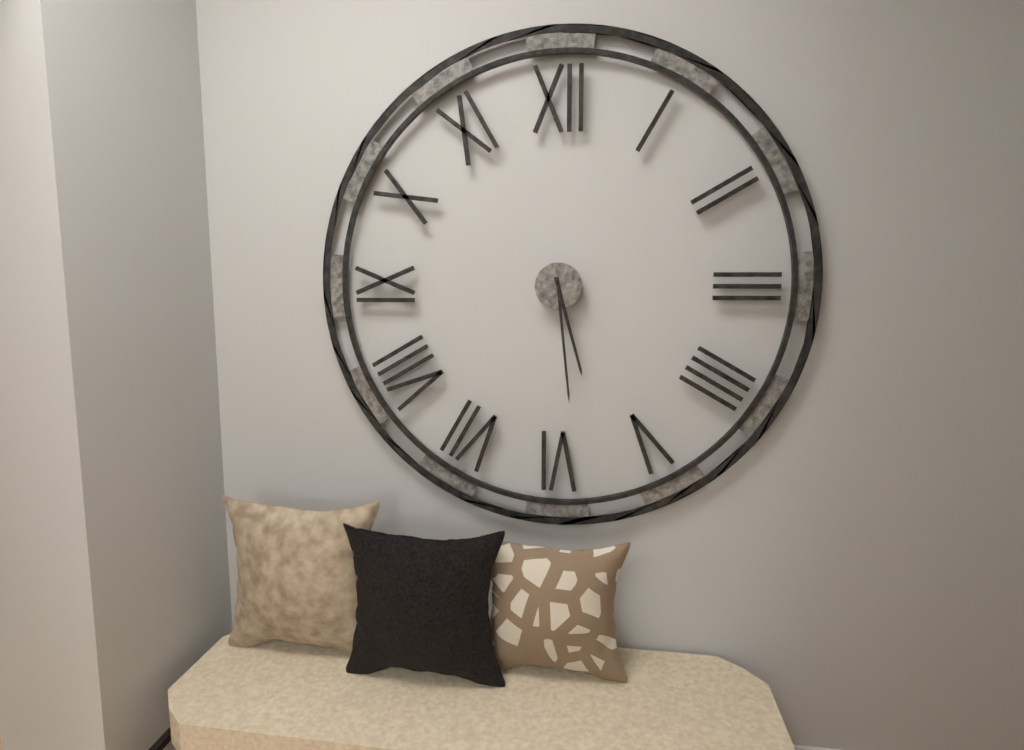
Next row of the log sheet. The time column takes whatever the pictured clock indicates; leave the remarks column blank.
5:29
